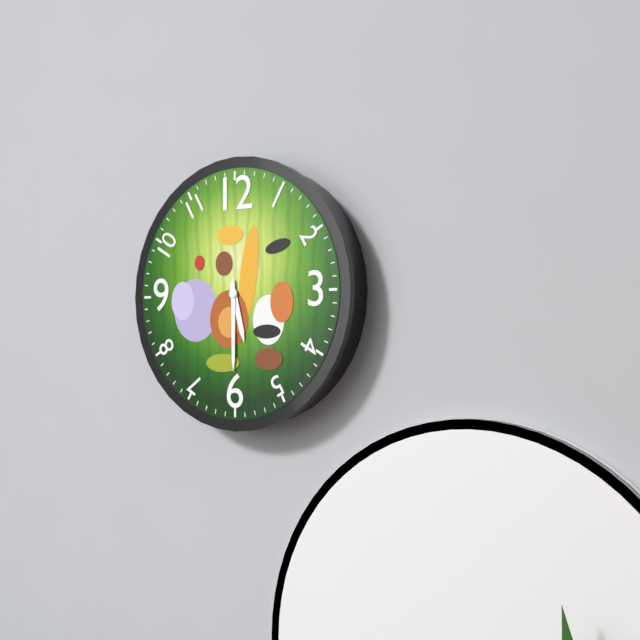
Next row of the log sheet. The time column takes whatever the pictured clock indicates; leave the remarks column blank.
5:30
